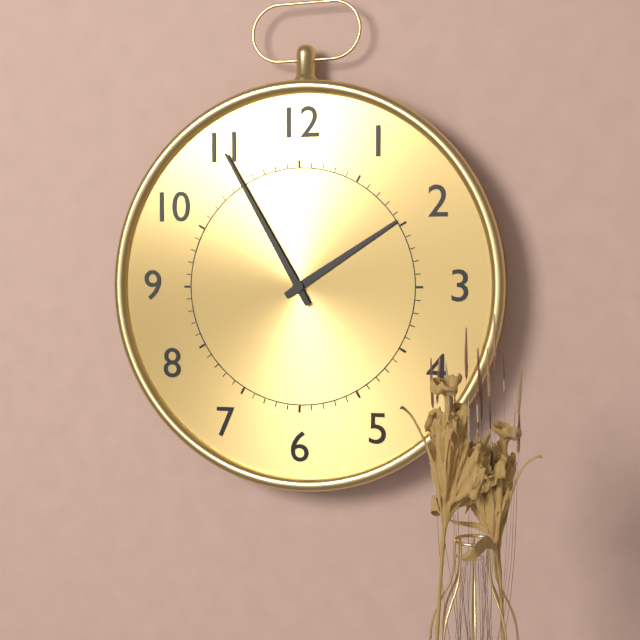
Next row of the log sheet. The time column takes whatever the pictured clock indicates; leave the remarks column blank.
1:55
